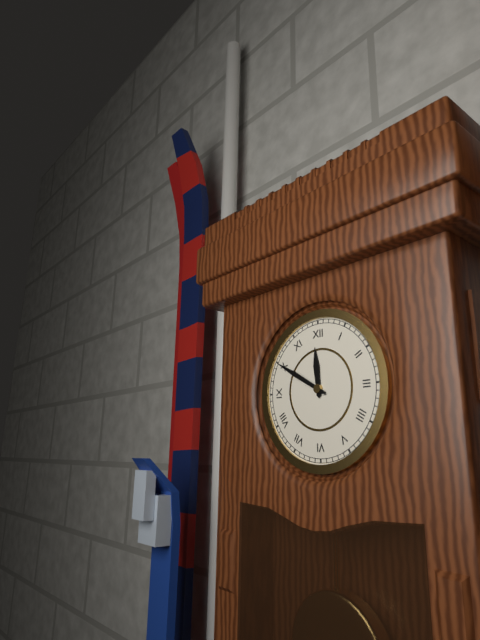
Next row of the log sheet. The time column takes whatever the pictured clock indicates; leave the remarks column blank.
11:50
